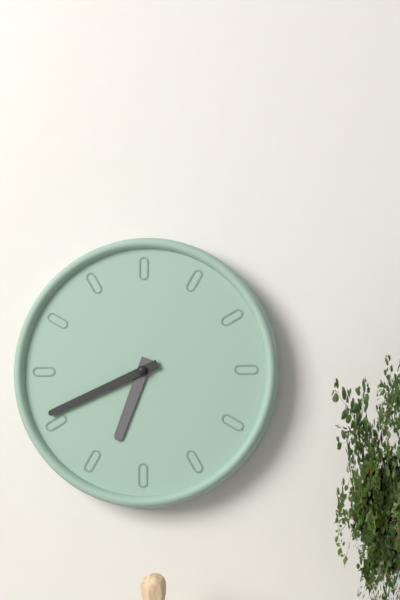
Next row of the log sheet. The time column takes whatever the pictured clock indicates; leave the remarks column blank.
6:41
